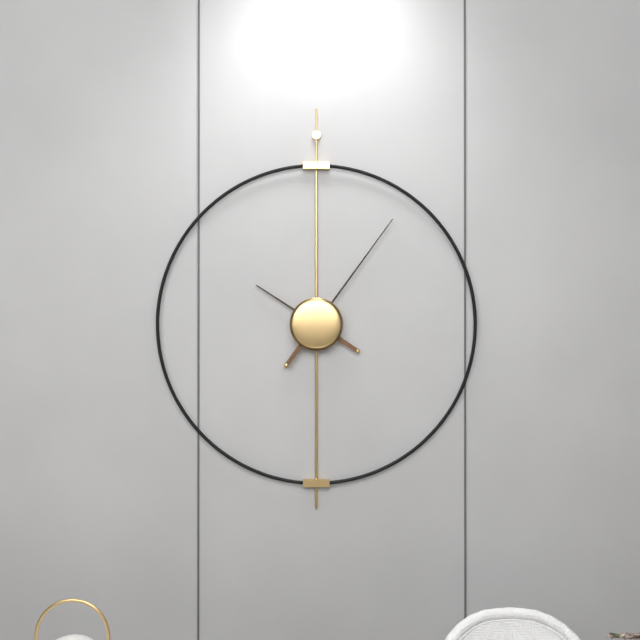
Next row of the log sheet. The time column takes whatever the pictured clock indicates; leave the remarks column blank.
10:06
